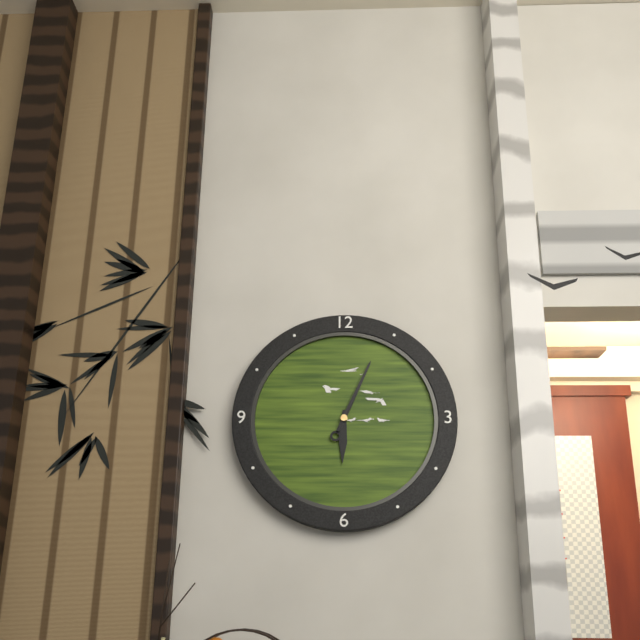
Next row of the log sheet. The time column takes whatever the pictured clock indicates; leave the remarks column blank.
6:04
